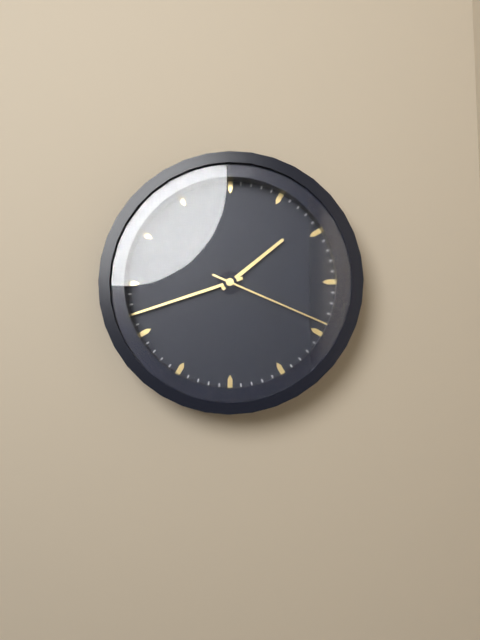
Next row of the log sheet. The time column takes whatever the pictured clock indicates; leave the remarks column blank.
1:42:19
